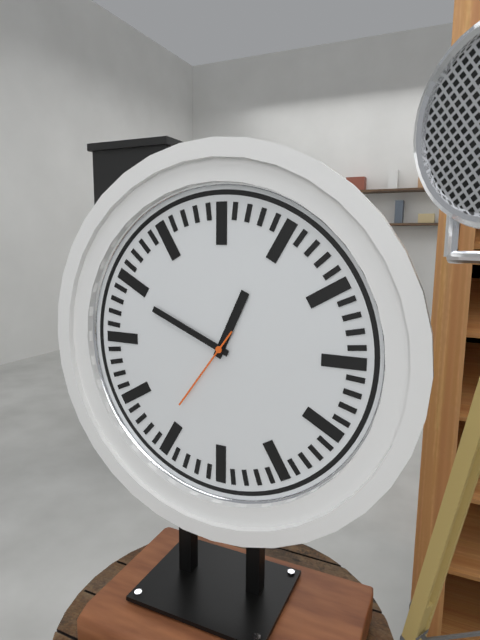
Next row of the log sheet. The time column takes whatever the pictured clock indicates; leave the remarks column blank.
12:49:36
